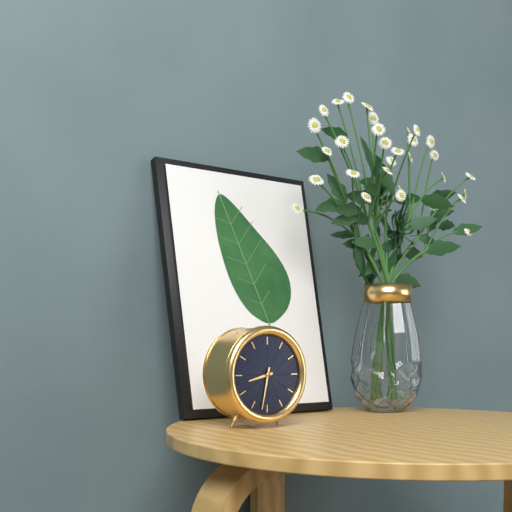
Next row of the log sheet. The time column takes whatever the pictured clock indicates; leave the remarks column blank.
8:32
